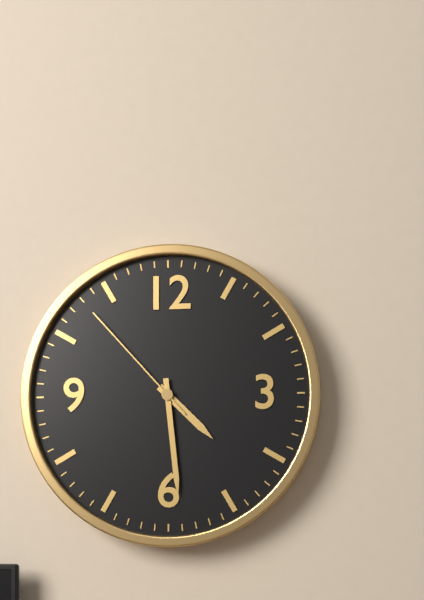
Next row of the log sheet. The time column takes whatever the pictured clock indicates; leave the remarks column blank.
4:29:53
